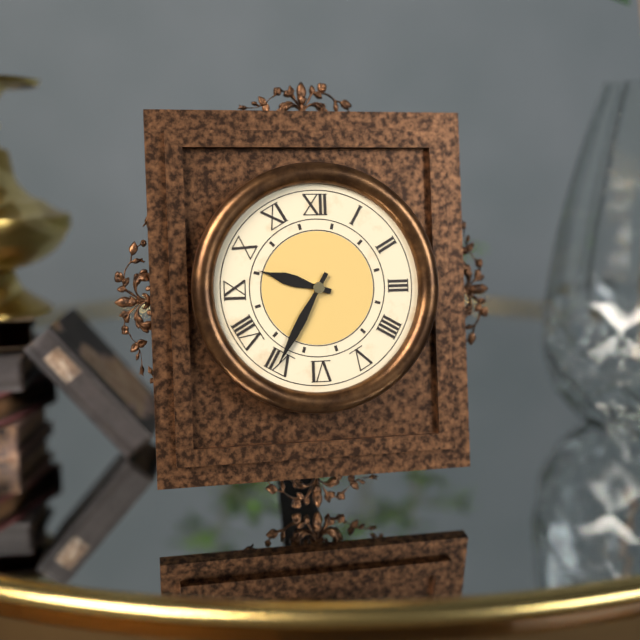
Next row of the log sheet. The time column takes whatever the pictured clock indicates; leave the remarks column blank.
9:35
